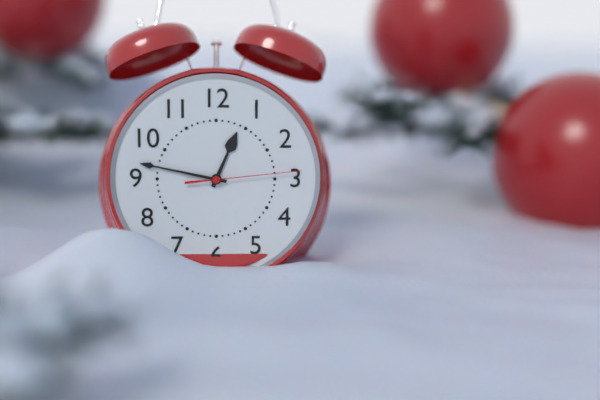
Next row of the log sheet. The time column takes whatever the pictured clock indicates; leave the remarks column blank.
12:47:14
